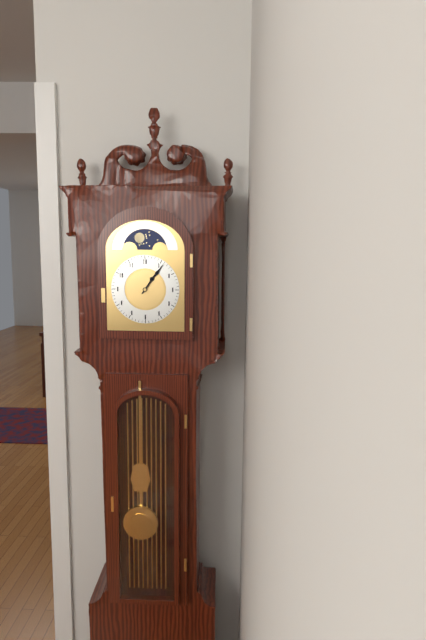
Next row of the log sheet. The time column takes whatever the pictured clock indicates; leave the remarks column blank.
1:06
